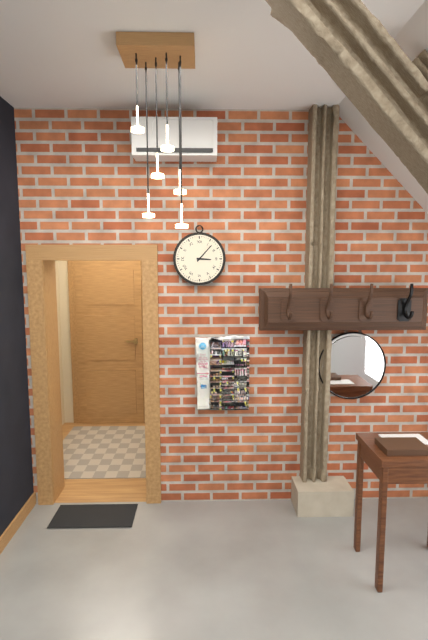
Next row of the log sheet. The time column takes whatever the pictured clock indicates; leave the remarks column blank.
3:07
